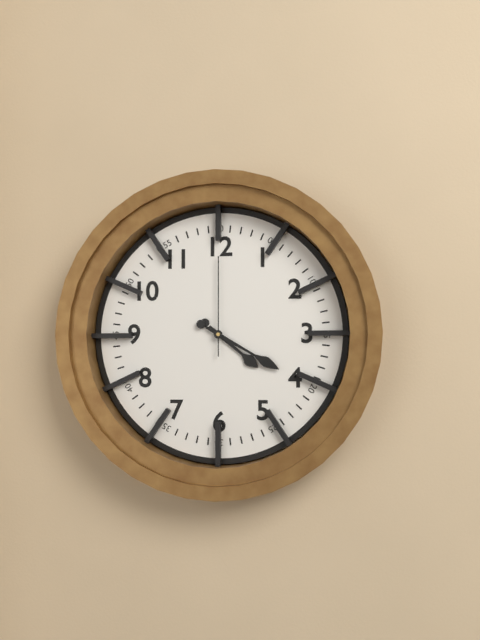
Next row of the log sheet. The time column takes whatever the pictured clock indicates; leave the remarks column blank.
4:20:00
